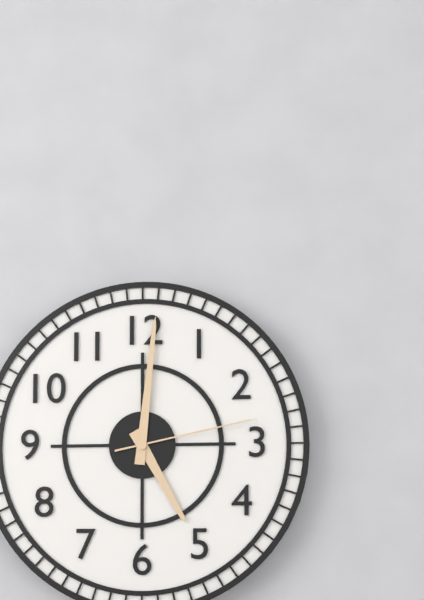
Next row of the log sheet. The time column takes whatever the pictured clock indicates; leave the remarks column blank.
5:01:13
